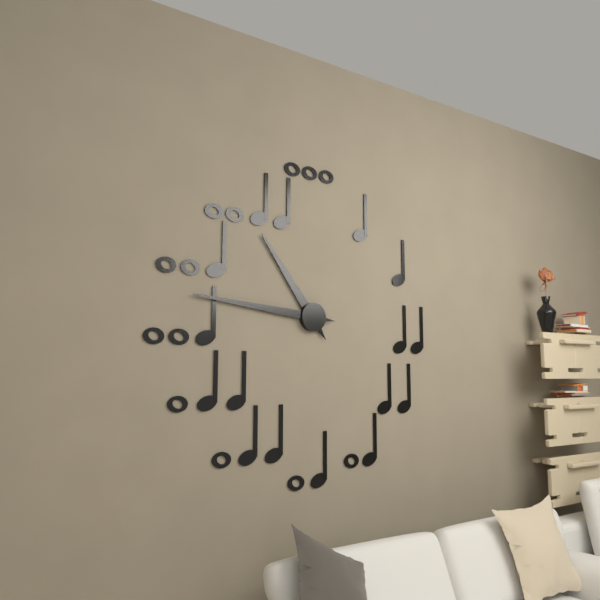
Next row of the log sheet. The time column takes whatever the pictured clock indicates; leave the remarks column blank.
10:46
